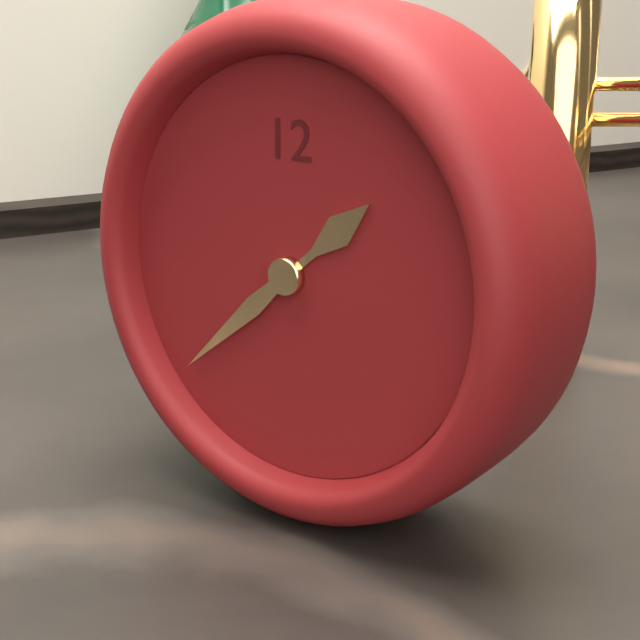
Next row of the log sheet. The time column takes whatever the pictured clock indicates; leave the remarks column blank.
1:38
